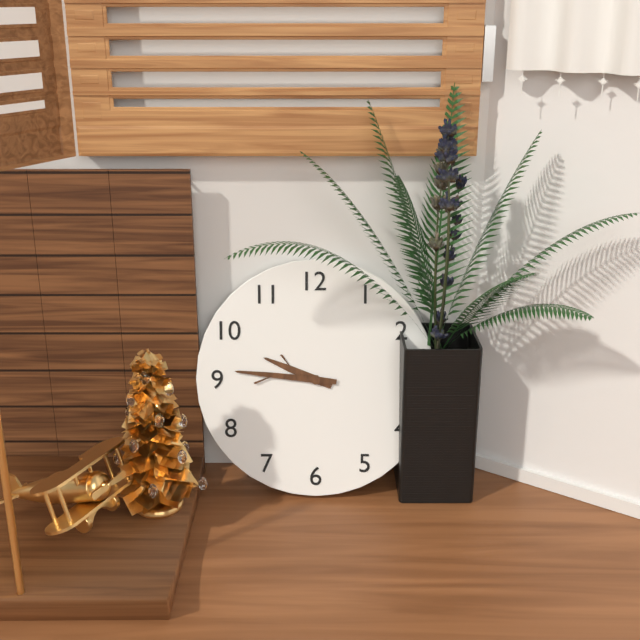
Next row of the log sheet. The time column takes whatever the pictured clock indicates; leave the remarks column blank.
9:46
